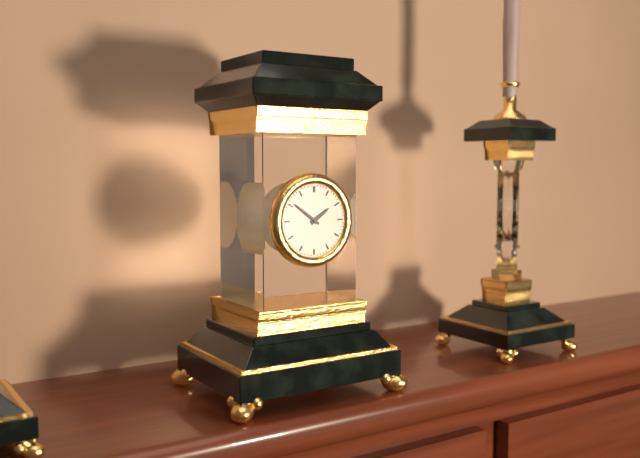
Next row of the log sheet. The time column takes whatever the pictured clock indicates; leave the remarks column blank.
1:51
